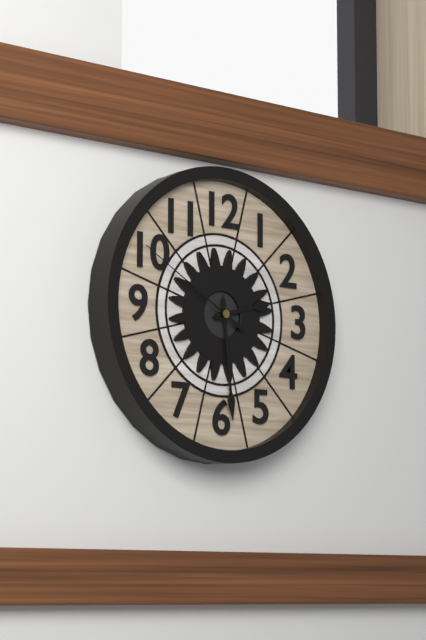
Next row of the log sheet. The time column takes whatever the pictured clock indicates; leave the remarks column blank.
2:29:50
